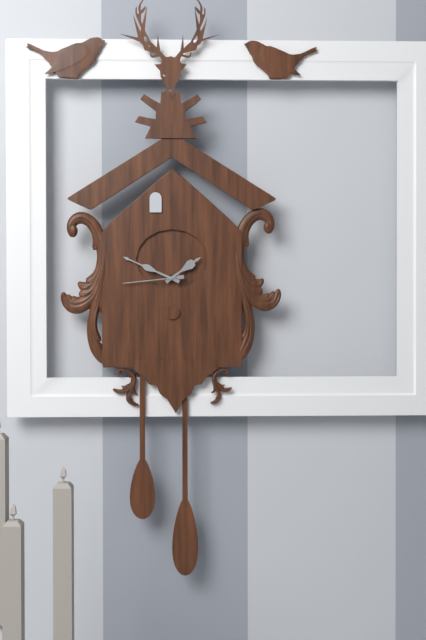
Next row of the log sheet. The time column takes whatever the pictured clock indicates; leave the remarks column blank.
1:49:44
